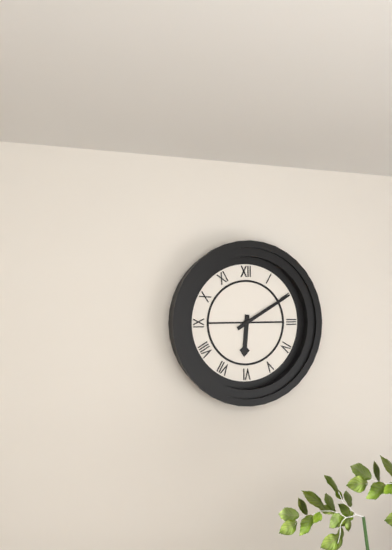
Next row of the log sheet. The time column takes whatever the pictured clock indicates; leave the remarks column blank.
6:10
